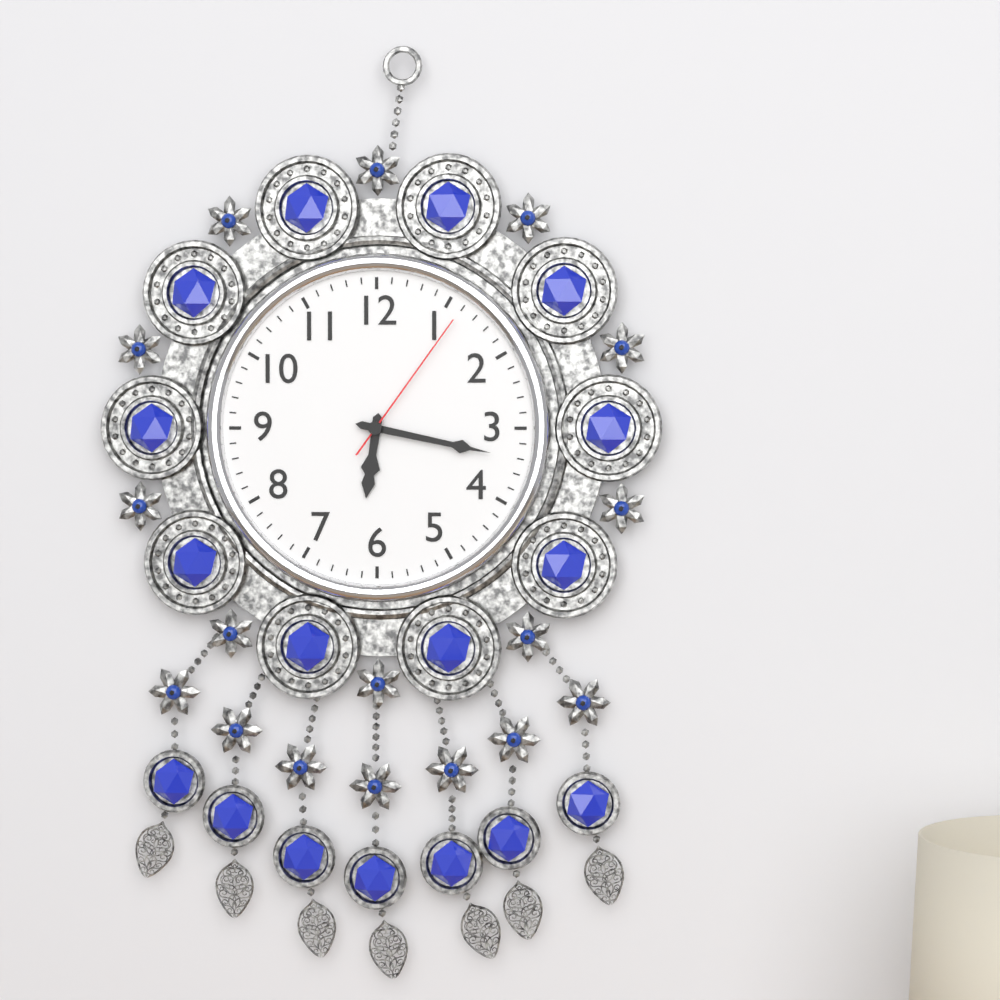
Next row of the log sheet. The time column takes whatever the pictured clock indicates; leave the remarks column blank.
6:17:06
